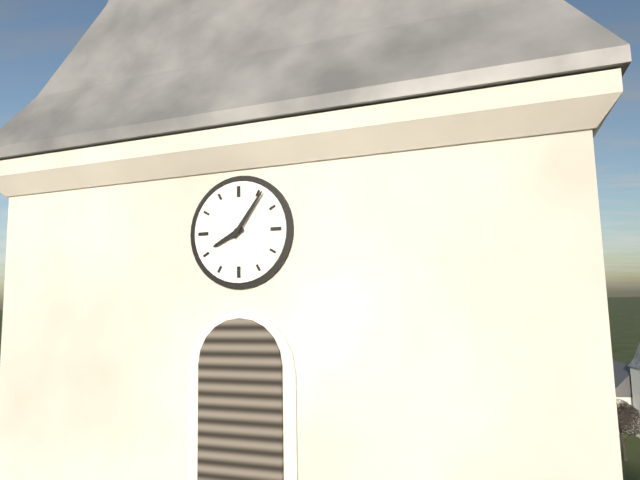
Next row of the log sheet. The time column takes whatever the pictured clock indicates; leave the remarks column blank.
8:06
